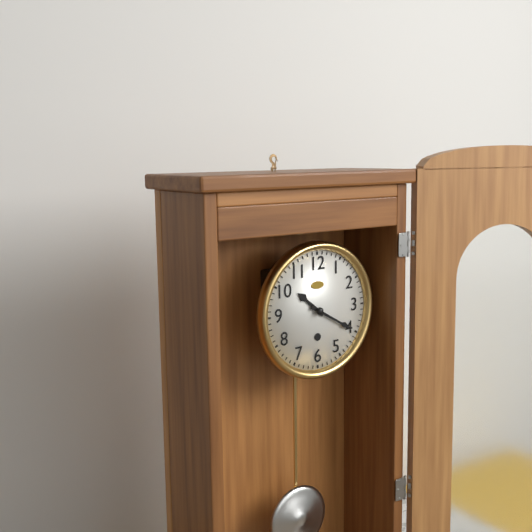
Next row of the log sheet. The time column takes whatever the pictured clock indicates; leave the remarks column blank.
10:20
